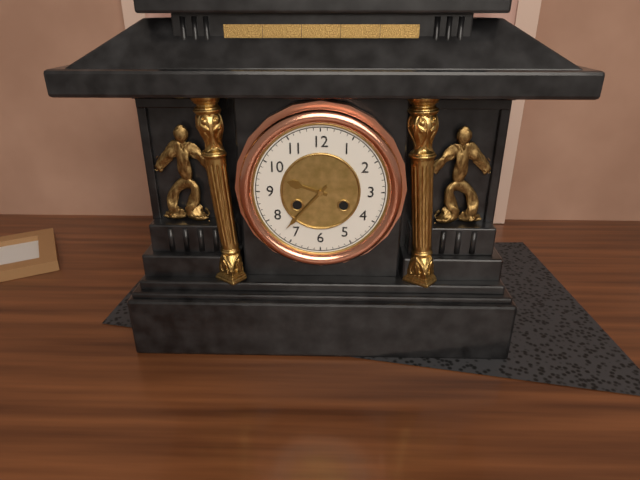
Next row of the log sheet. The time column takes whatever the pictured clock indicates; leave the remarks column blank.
9:37
